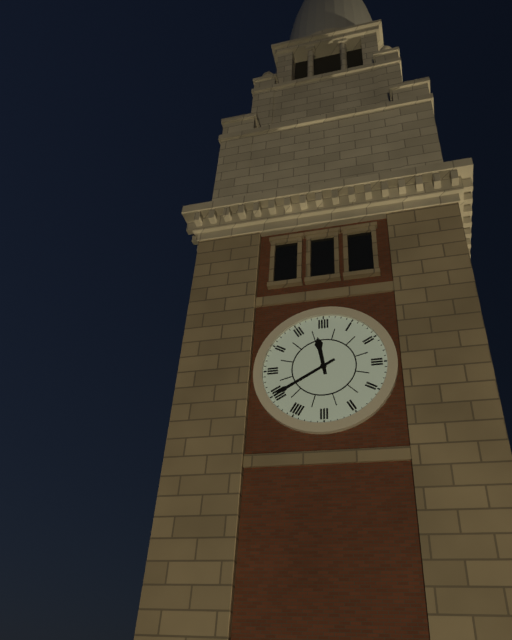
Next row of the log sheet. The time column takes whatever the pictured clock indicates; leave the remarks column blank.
11:40
